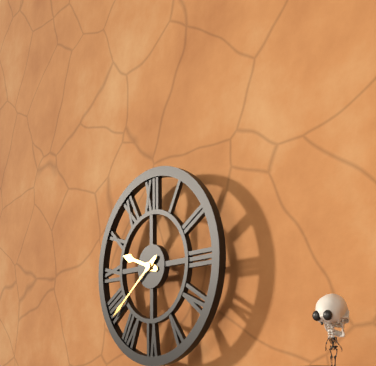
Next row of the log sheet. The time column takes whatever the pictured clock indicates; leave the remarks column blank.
9:39
